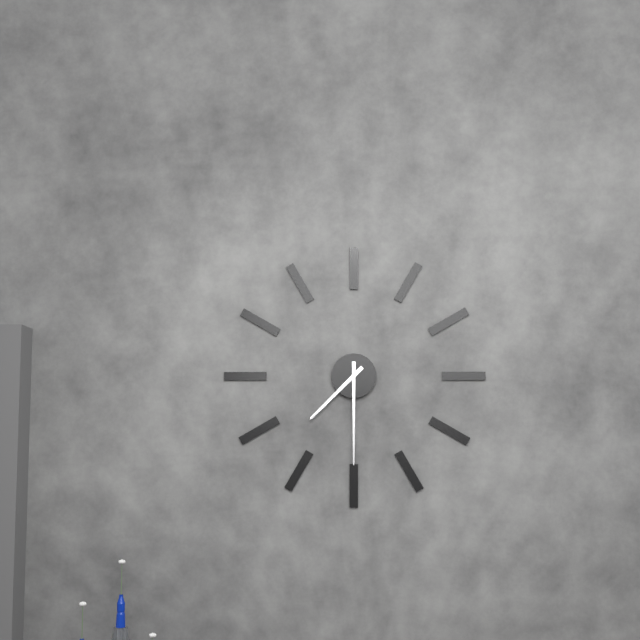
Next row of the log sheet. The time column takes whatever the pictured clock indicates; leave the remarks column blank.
7:30
